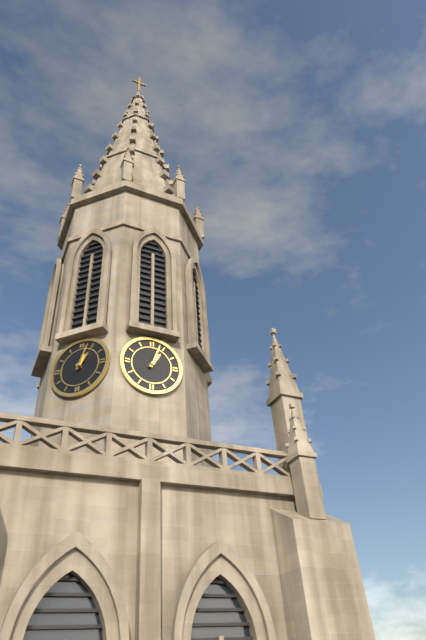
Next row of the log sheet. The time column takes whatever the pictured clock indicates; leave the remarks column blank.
1:03
